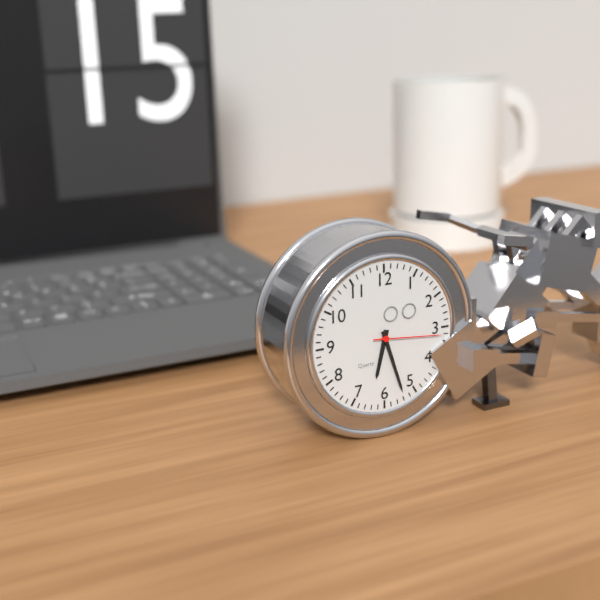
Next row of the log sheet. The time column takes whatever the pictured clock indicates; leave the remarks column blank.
6:27:16
